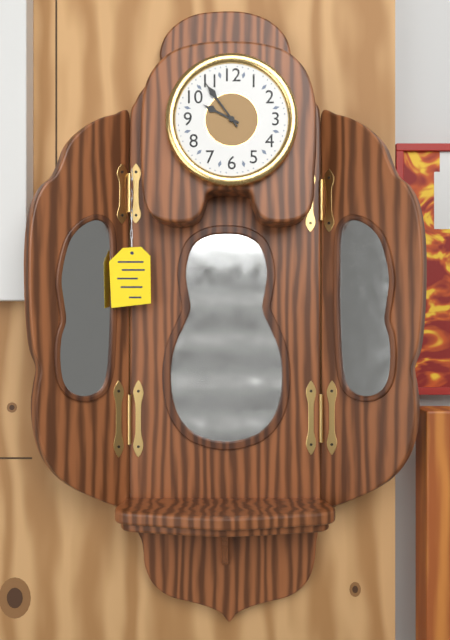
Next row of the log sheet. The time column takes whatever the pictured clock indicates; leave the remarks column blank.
9:54
